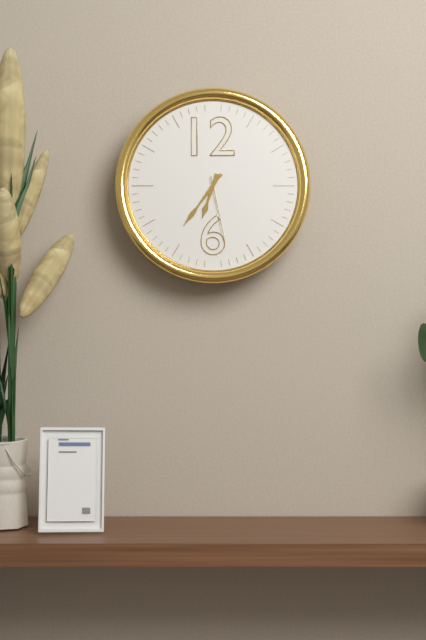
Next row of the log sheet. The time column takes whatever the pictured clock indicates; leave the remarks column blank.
6:36:28
